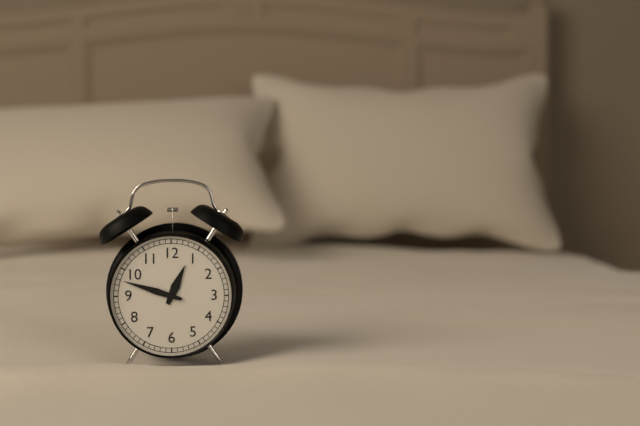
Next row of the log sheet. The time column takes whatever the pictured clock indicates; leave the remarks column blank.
12:48
